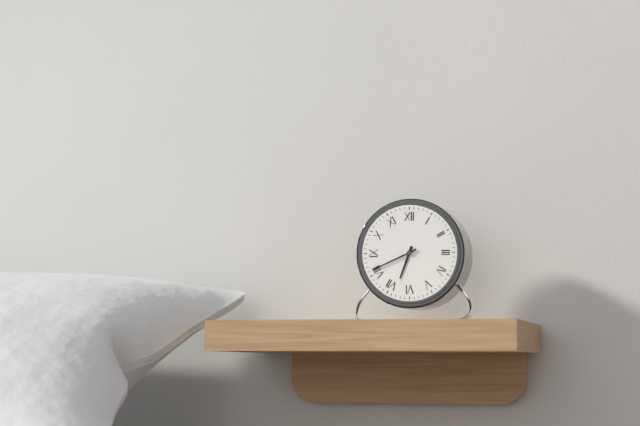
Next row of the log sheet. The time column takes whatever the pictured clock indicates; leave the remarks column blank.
6:41
